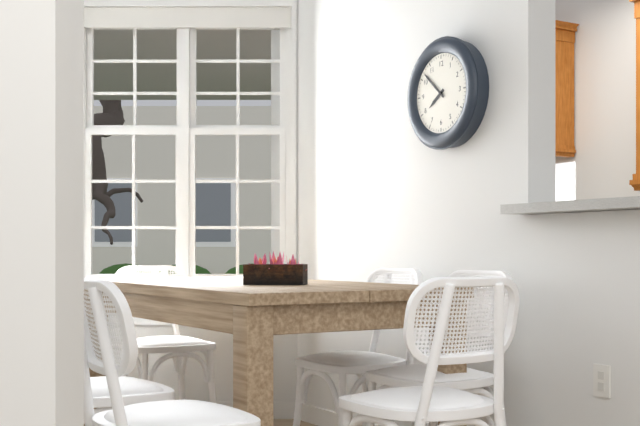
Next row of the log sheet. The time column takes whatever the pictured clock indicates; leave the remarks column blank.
7:52
